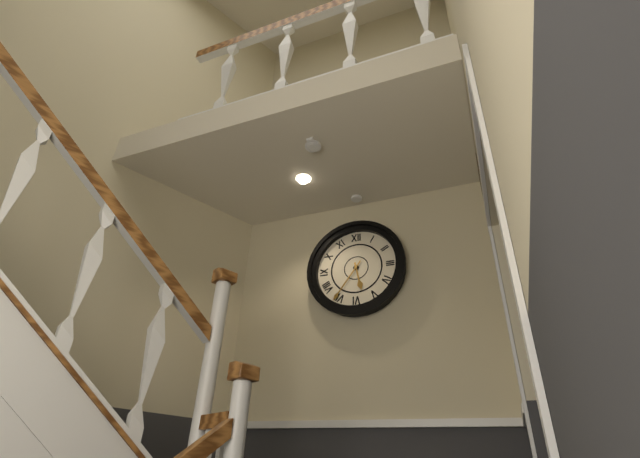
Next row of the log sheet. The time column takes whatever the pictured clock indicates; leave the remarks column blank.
5:36
